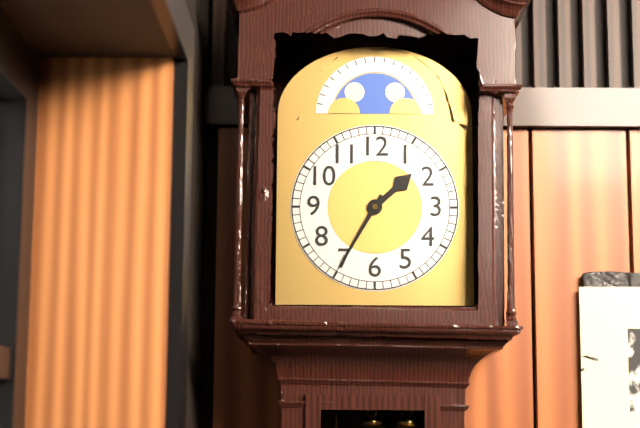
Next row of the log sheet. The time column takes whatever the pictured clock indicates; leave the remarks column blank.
1:35
